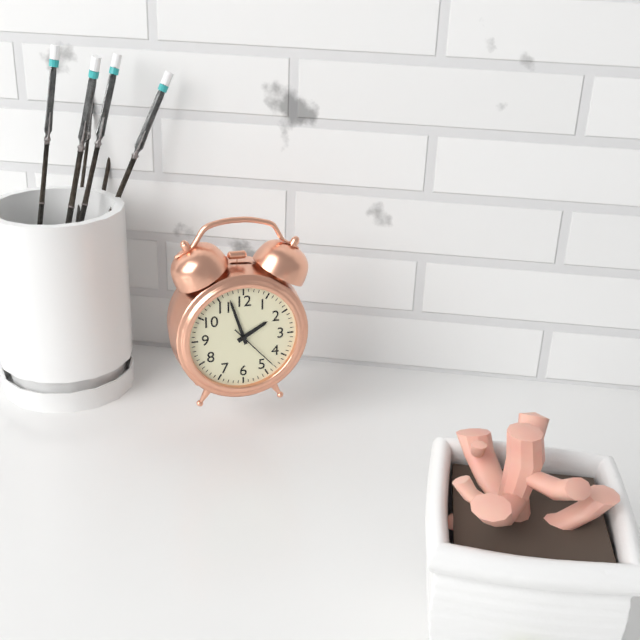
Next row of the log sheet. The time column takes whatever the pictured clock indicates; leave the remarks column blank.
1:57:23
